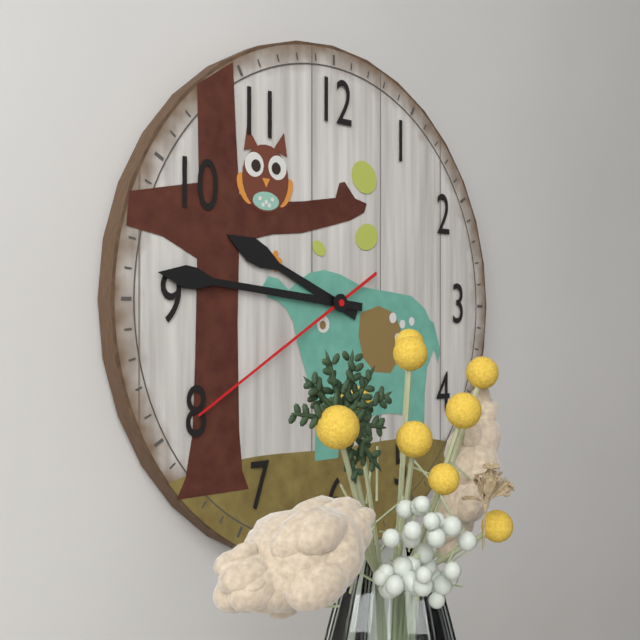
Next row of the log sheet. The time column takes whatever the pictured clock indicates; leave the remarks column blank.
9:46:40
